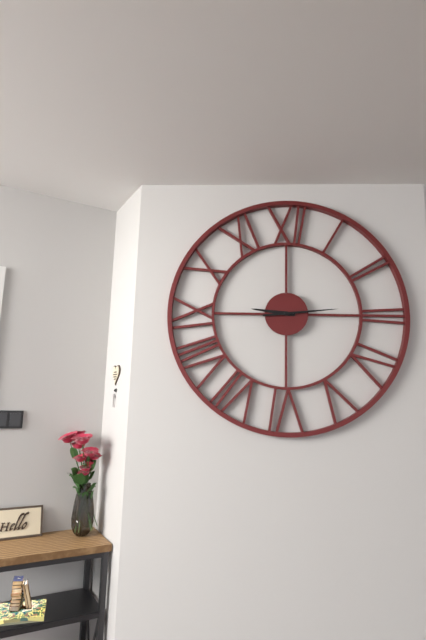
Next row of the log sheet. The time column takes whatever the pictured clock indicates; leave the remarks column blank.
9:14
